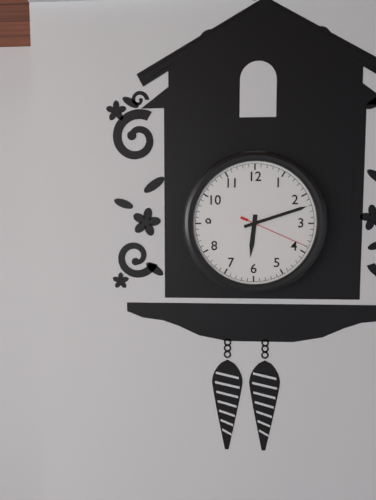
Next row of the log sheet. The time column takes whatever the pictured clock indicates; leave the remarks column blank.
6:12:19
